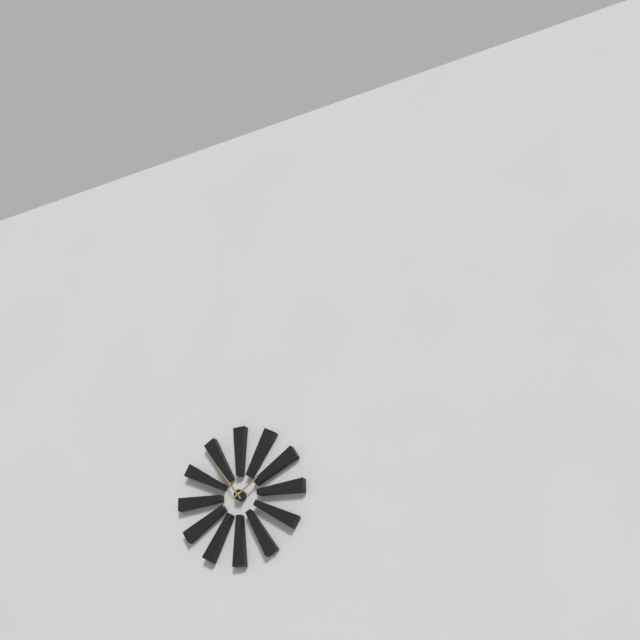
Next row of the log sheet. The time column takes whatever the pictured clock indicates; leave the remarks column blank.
1:54
